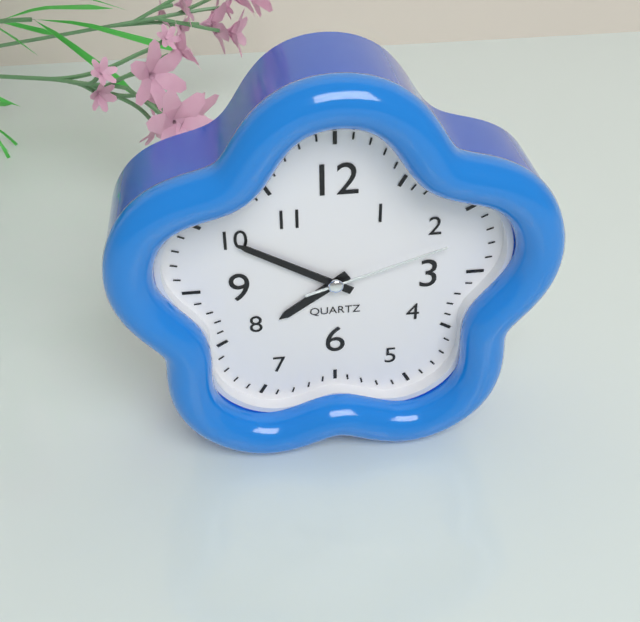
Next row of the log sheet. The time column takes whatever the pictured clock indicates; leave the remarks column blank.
7:50:12
